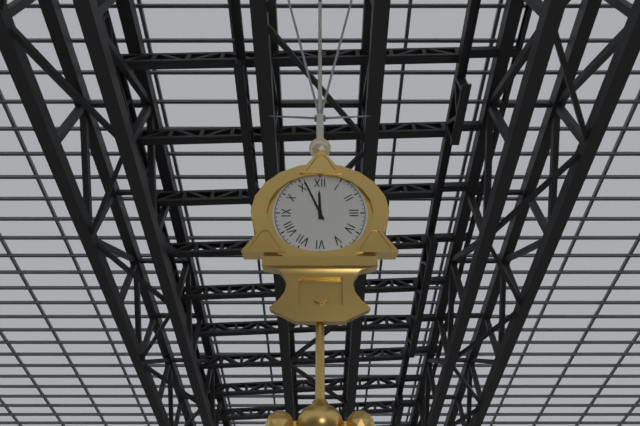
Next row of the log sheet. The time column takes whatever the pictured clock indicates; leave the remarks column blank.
11:56
